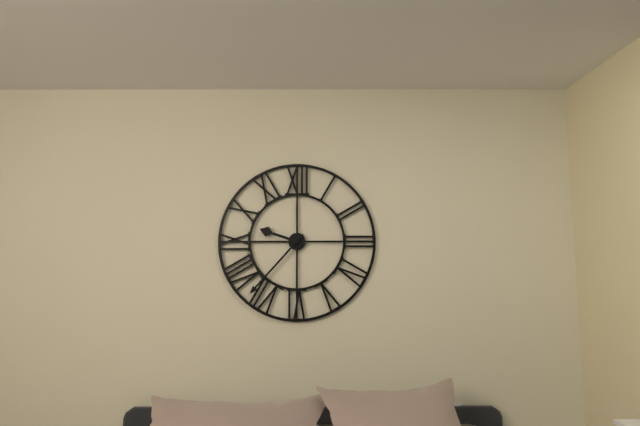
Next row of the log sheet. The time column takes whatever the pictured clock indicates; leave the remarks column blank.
9:37
